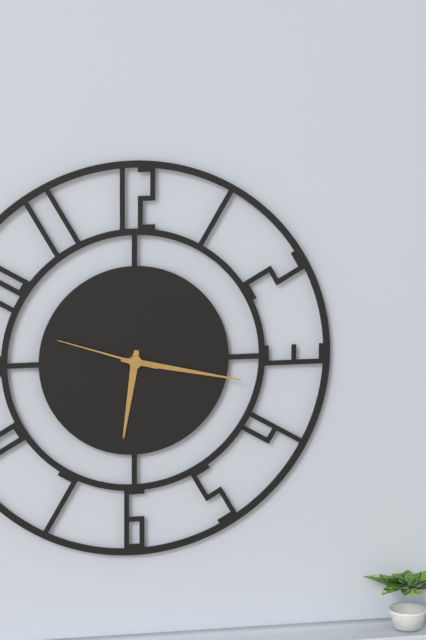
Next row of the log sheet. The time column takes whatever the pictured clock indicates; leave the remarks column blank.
6:17:48
